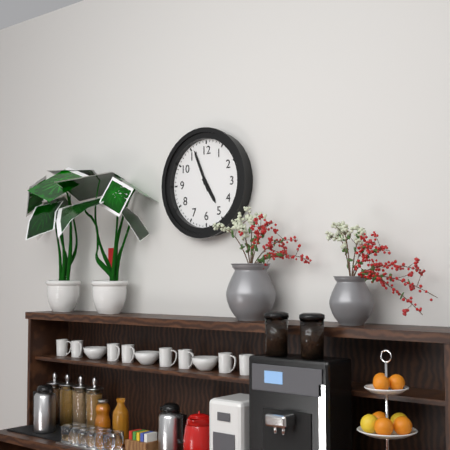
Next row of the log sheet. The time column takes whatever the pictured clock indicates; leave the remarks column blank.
4:56
